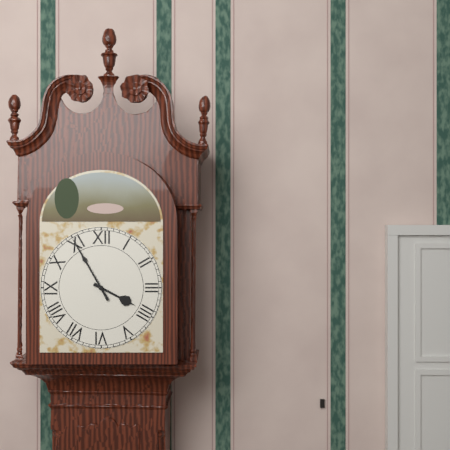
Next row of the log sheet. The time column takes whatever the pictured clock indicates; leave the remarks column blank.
3:55
